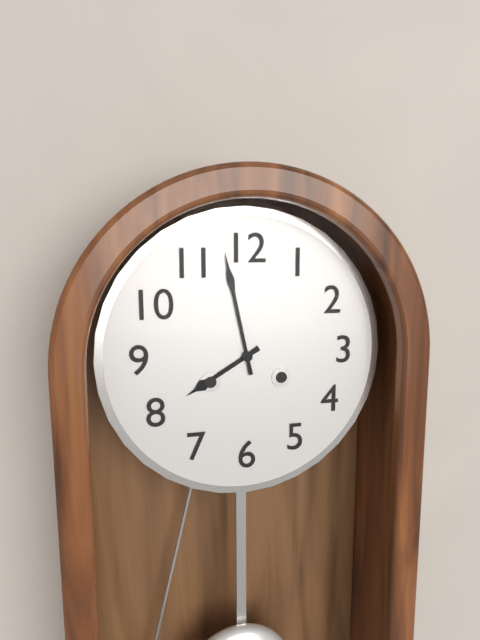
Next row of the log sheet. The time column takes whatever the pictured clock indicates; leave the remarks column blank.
7:58
